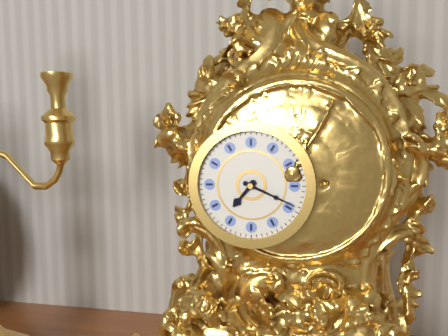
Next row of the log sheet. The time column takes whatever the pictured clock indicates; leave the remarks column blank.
7:19
